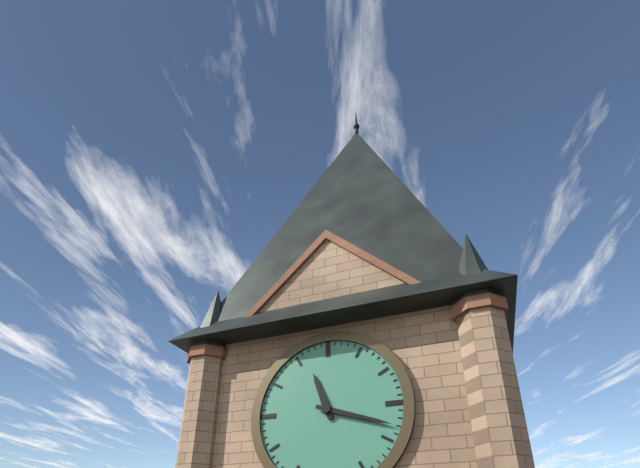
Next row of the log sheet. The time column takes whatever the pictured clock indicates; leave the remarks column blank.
11:18
